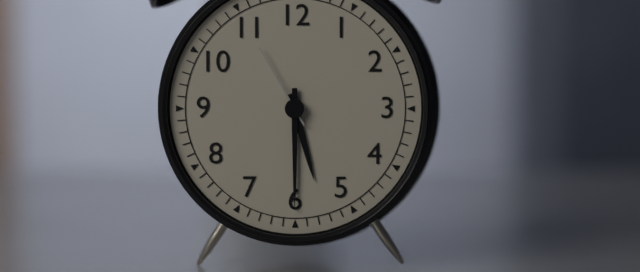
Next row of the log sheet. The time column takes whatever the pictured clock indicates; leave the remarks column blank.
5:30:55
